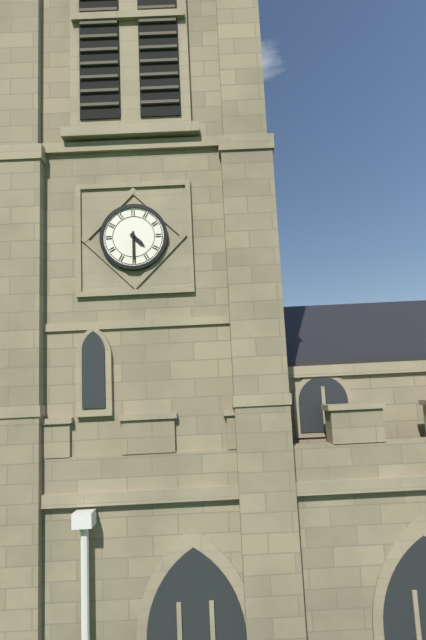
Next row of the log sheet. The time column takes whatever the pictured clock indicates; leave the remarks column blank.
4:30
